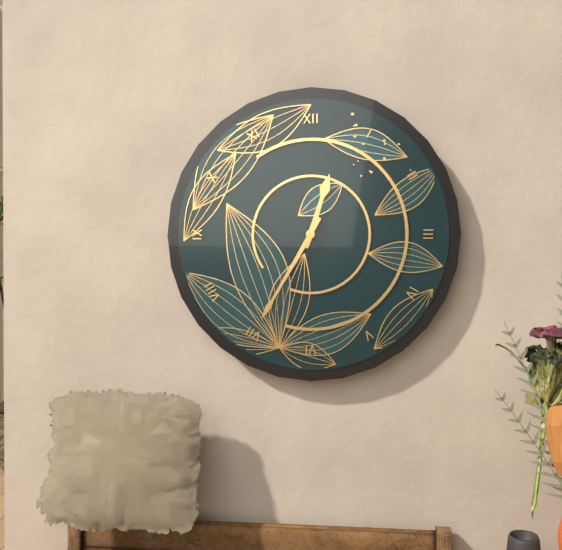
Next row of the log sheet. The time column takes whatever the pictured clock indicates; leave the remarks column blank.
12:35
